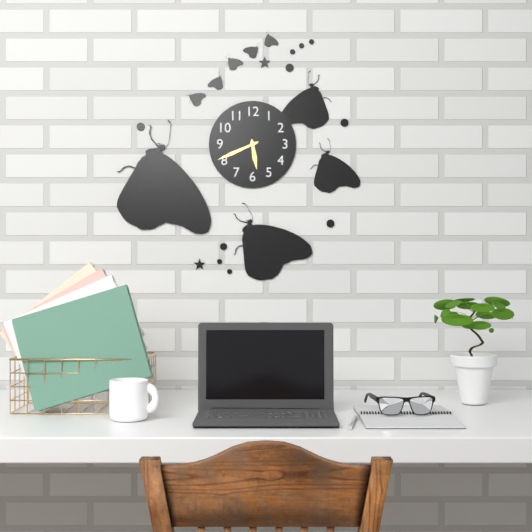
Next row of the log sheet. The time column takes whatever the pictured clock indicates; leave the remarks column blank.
5:41
